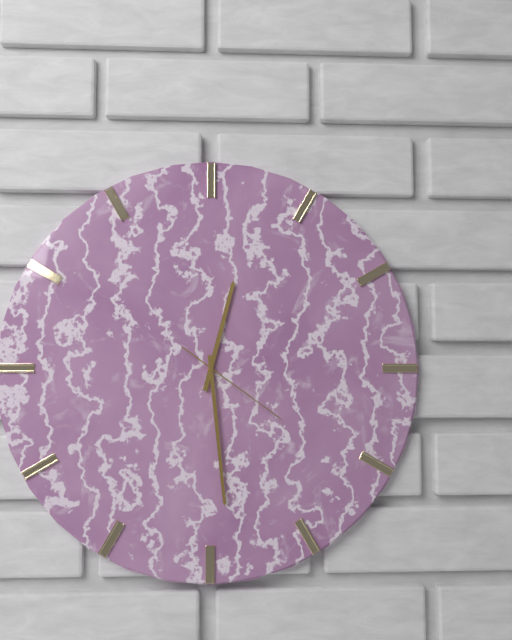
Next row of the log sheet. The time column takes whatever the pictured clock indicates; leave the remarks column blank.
12:29:21
